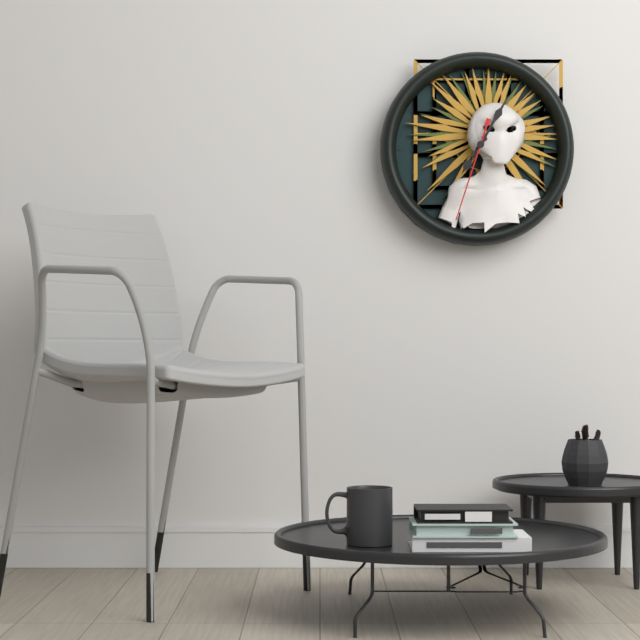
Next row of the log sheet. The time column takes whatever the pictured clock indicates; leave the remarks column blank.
7:05:33
